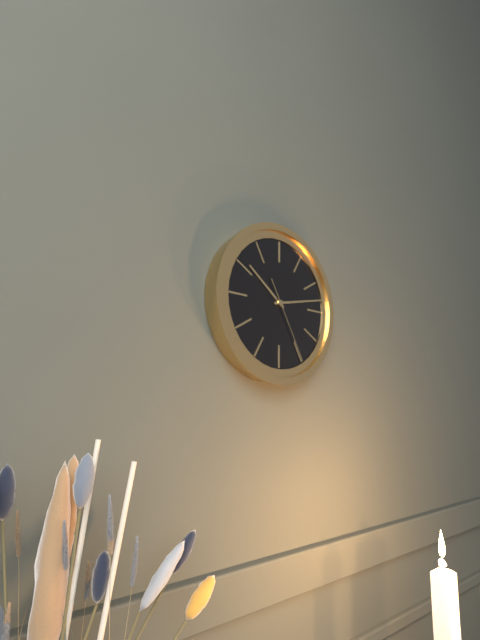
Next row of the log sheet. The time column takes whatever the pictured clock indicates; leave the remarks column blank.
10:13:25
